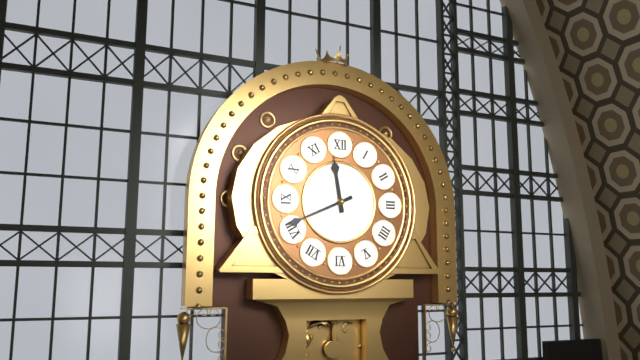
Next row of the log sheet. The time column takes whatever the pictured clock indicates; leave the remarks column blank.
11:41
